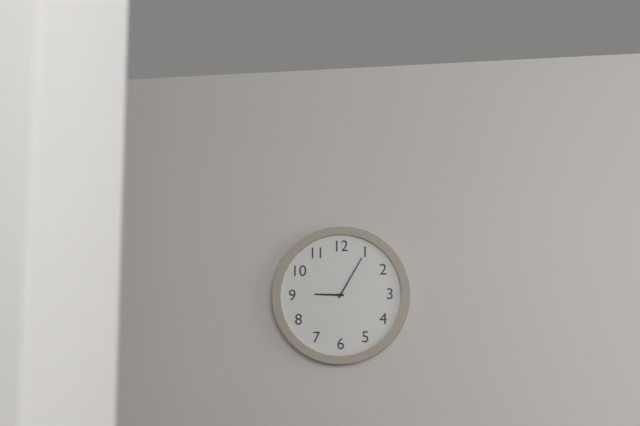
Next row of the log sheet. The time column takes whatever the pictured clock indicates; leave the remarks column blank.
9:05
